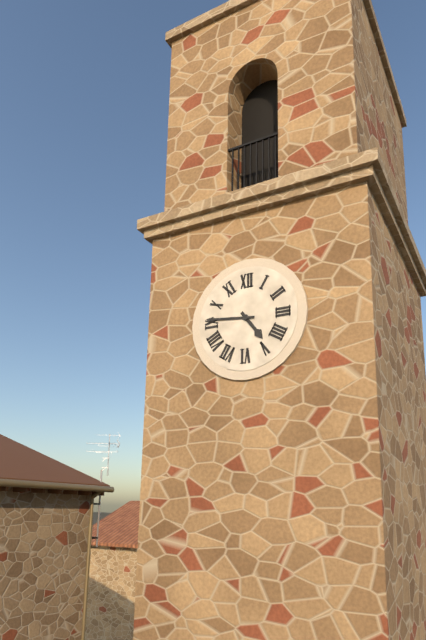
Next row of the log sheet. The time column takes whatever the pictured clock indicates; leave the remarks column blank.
4:46
